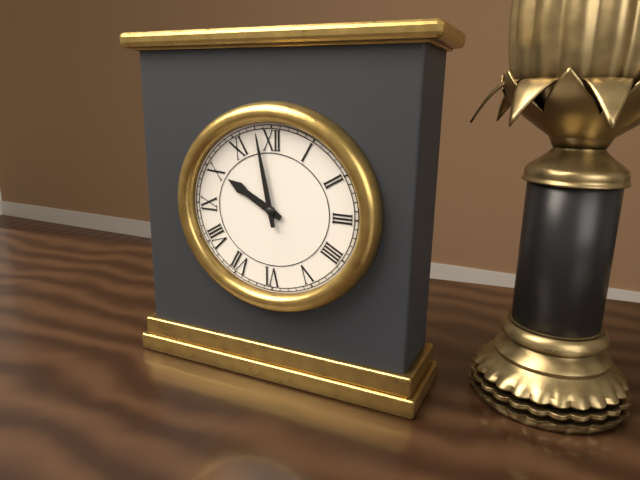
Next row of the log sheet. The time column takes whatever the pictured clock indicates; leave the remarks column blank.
9:58
